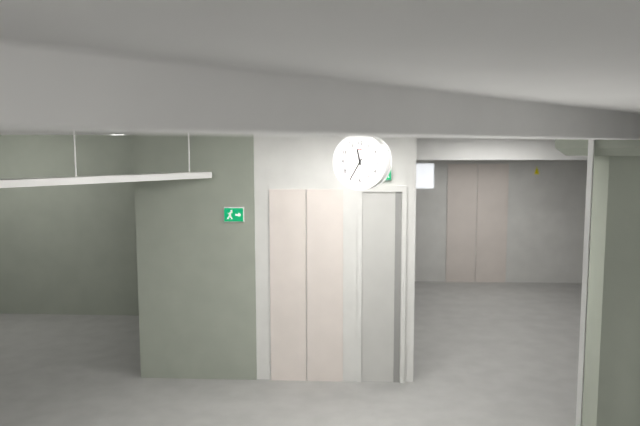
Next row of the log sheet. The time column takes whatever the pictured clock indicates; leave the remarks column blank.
11:35
